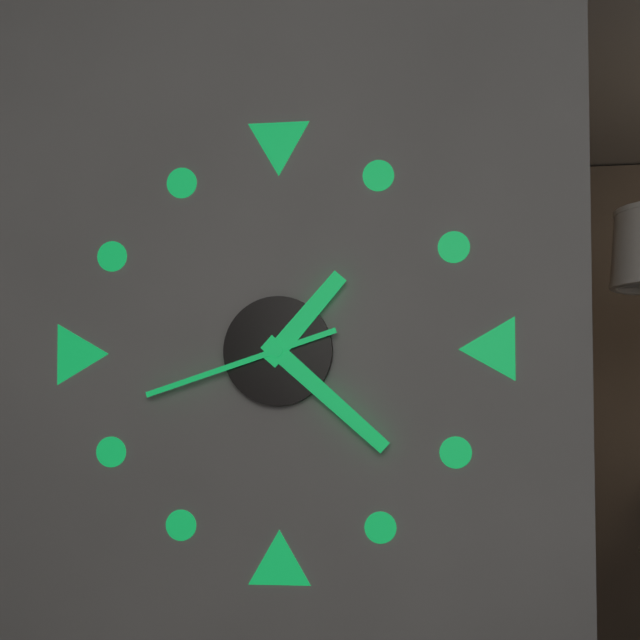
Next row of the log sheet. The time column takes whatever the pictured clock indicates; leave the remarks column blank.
1:22:42
